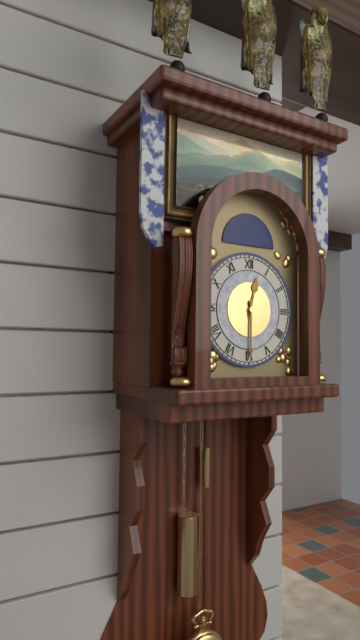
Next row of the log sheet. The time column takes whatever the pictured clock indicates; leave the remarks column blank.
12:30
